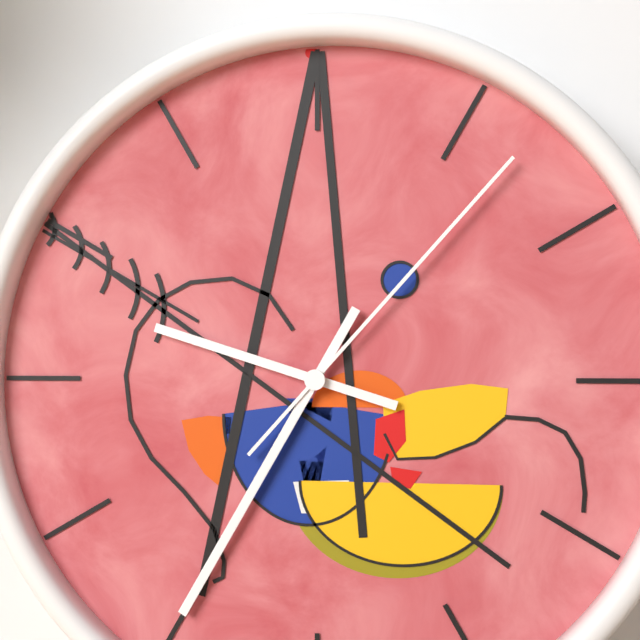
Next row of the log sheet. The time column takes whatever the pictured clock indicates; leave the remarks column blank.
9:35:07
